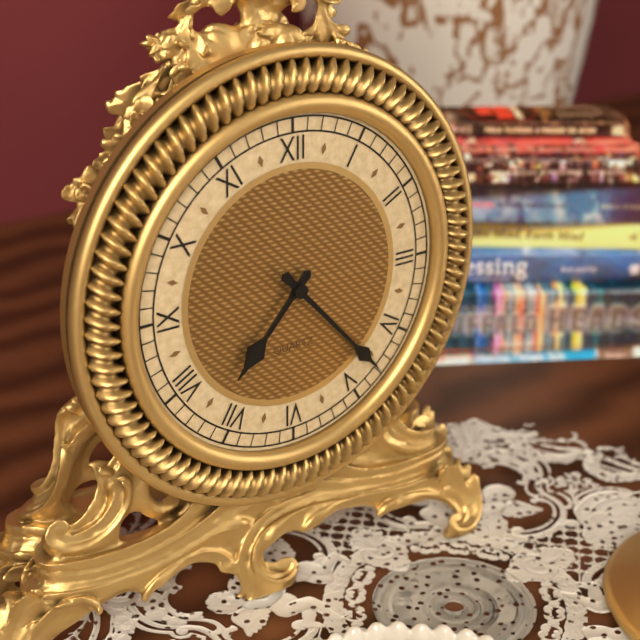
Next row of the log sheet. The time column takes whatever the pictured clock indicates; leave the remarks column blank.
7:23
